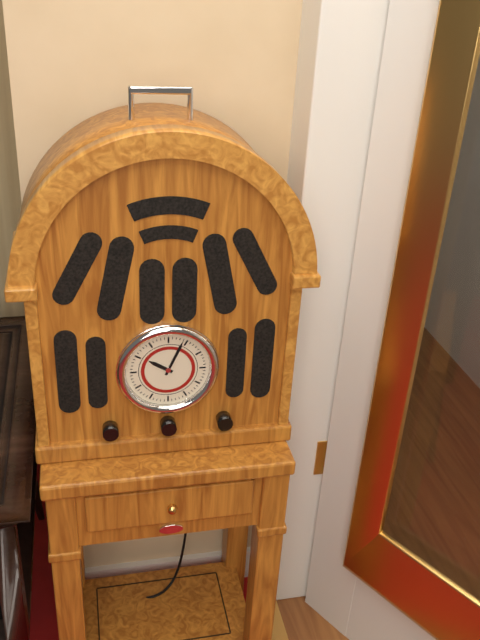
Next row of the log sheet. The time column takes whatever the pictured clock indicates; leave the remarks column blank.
10:04
